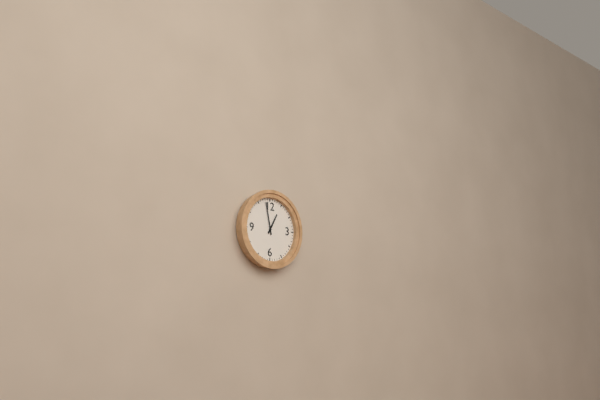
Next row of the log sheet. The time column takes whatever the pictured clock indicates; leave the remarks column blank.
12:58
